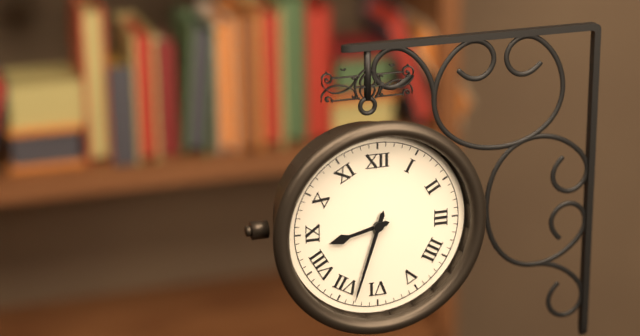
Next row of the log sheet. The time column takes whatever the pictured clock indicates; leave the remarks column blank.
8:33
